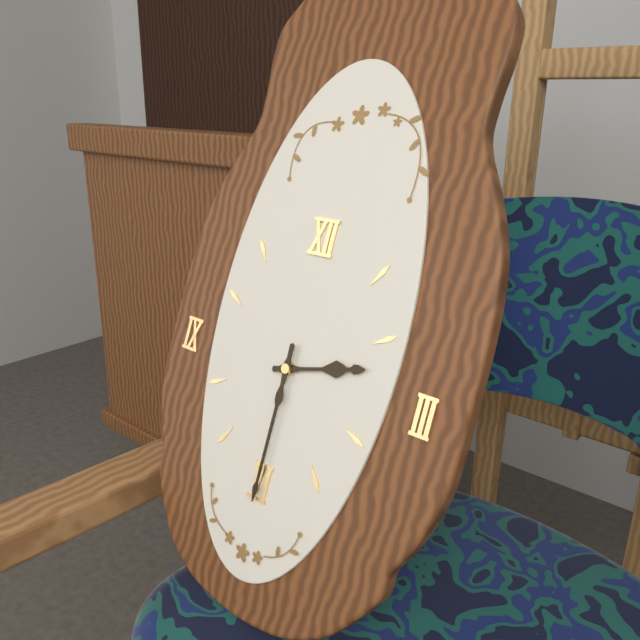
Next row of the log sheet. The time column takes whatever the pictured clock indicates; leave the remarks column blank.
2:30
